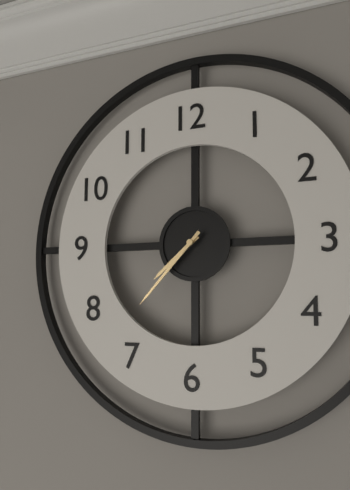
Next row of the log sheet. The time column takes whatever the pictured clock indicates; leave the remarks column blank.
7:37
